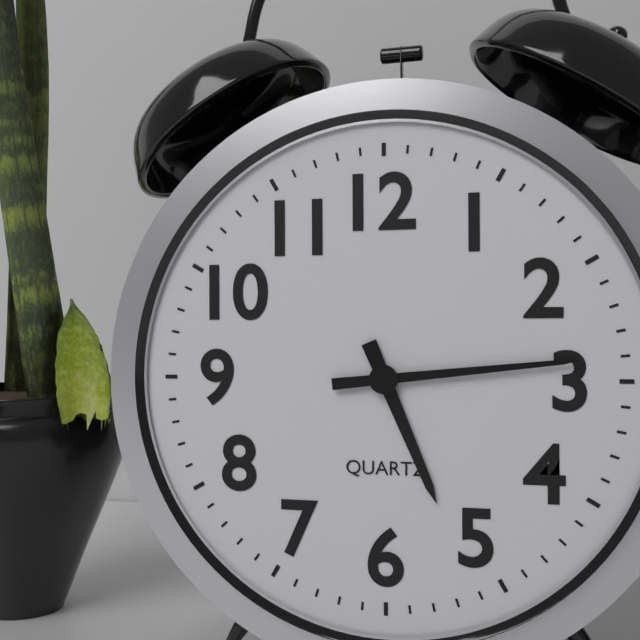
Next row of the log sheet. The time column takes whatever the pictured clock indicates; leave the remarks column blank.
5:14
